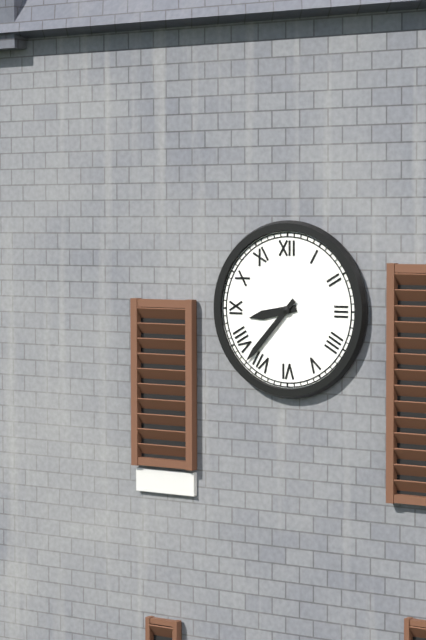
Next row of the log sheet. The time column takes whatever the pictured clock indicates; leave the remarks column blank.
8:37
